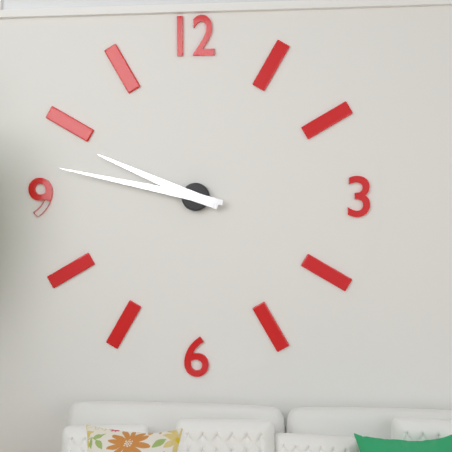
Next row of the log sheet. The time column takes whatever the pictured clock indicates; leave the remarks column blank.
9:47
